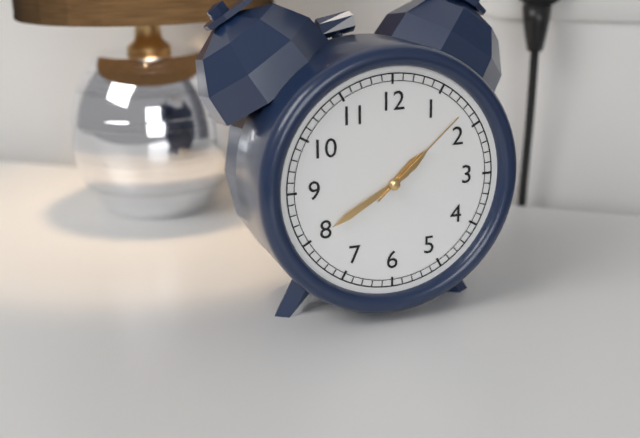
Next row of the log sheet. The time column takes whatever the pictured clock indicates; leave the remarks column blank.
1:40:08
